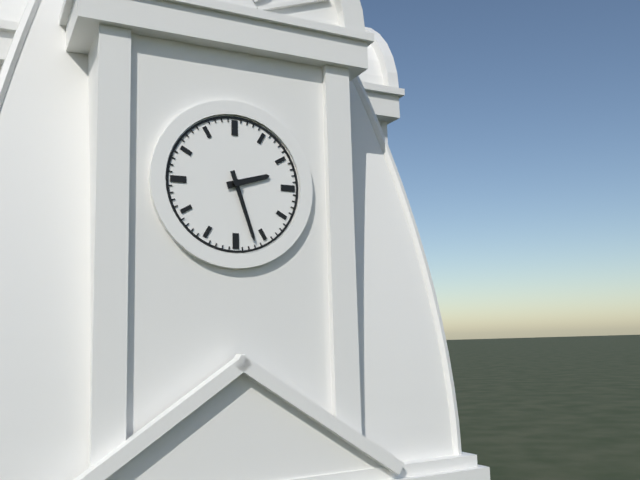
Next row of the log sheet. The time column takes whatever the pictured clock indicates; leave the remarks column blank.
2:27
